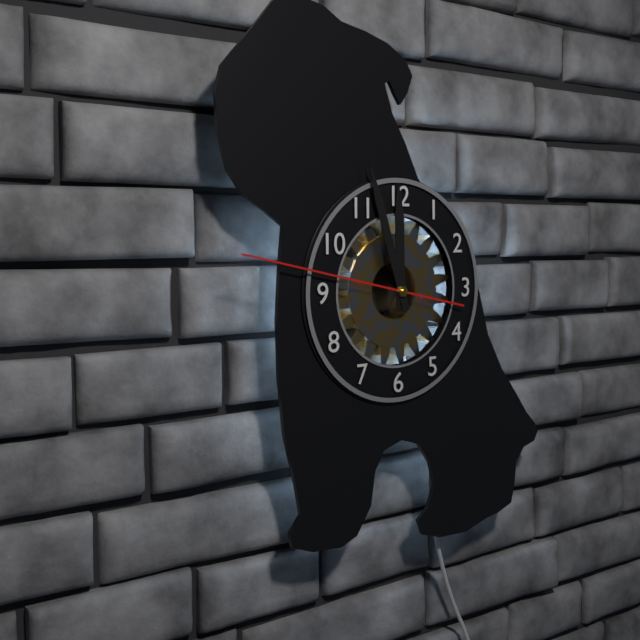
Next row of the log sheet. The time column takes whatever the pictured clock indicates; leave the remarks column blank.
11:57:47
